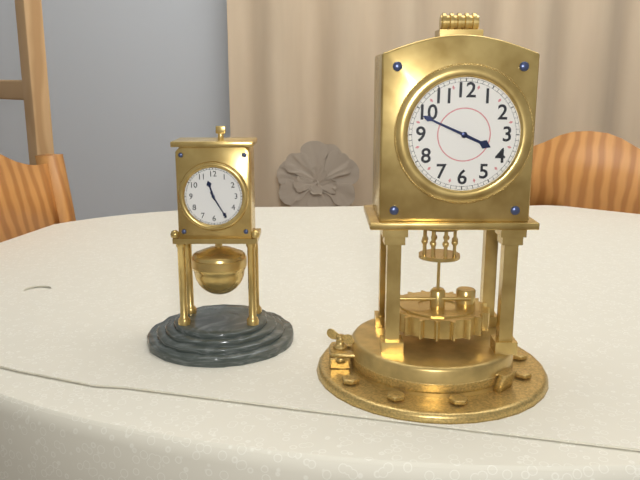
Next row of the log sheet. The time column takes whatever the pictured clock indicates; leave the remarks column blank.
3:49
